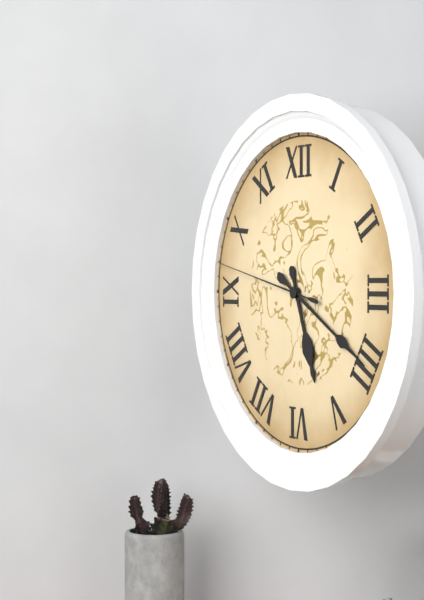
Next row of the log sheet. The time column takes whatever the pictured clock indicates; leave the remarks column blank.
5:20:47
